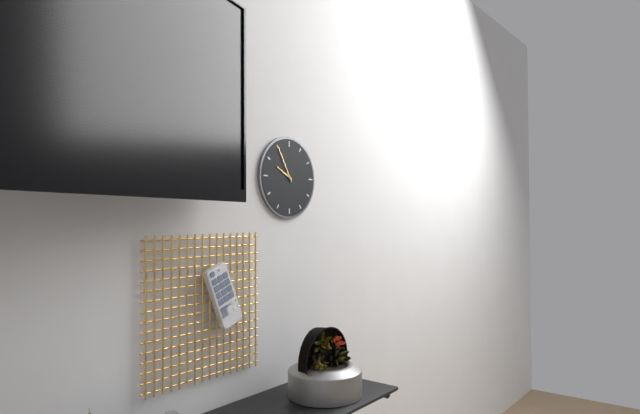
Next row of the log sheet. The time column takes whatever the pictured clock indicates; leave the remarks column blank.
9:55
